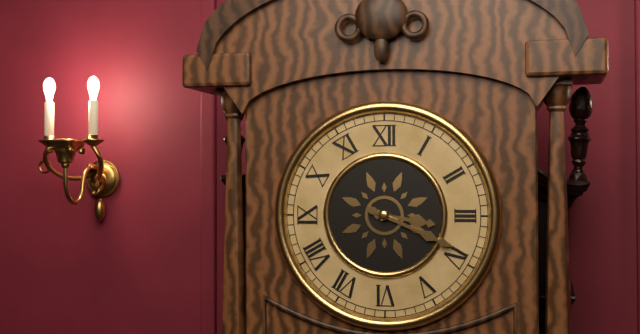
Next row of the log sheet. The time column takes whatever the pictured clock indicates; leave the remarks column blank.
3:19
